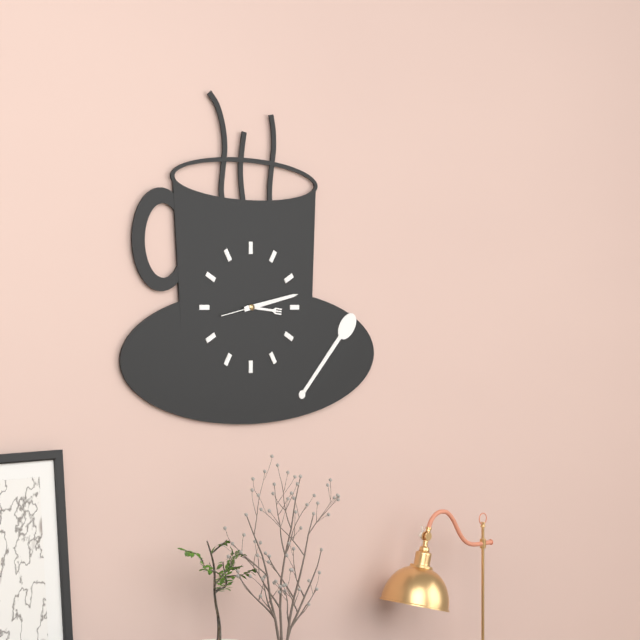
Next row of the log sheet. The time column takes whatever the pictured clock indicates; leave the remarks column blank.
3:13:13
